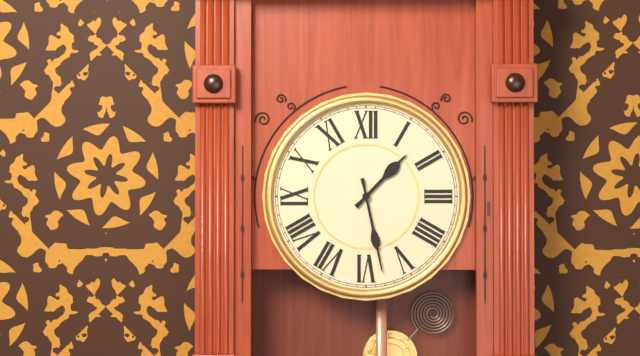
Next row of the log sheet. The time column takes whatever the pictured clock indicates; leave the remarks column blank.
1:28
